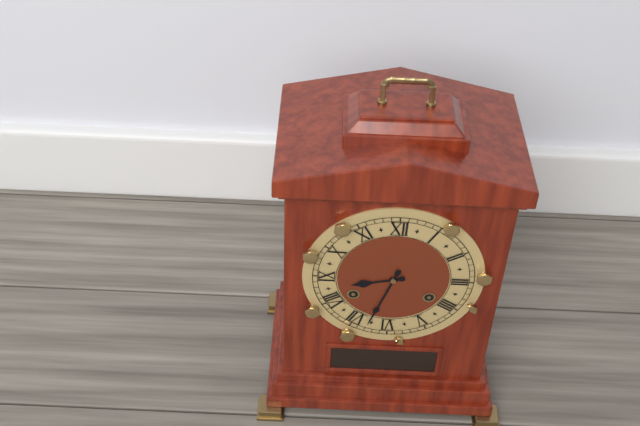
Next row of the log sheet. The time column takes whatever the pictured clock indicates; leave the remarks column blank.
8:33
